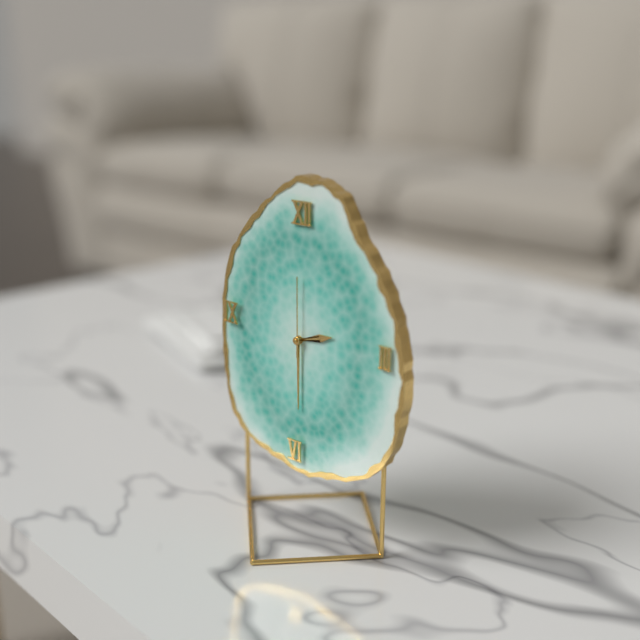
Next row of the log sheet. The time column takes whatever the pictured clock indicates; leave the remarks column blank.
2:30:00
